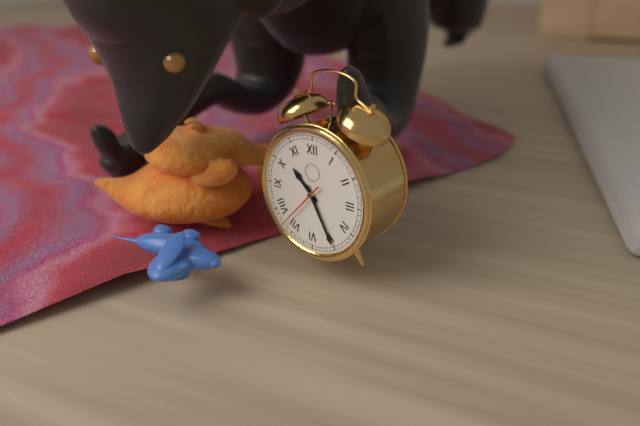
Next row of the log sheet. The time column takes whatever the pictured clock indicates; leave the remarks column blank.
10:25:37
